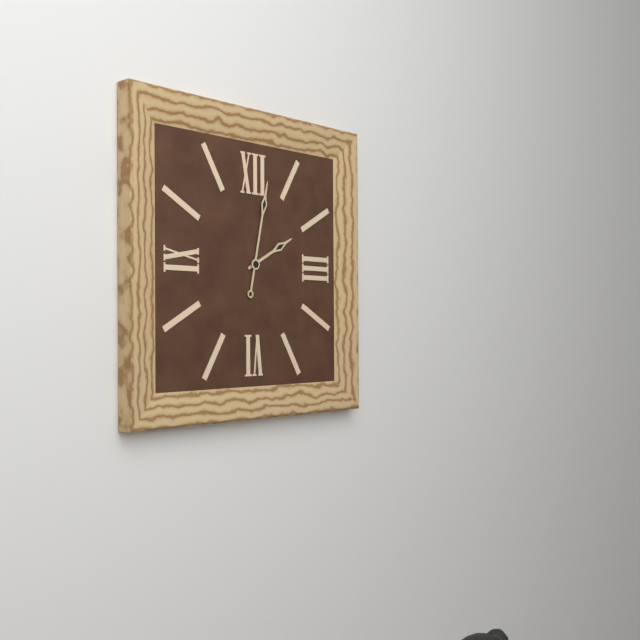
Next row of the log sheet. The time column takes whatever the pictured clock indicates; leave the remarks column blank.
2:02
